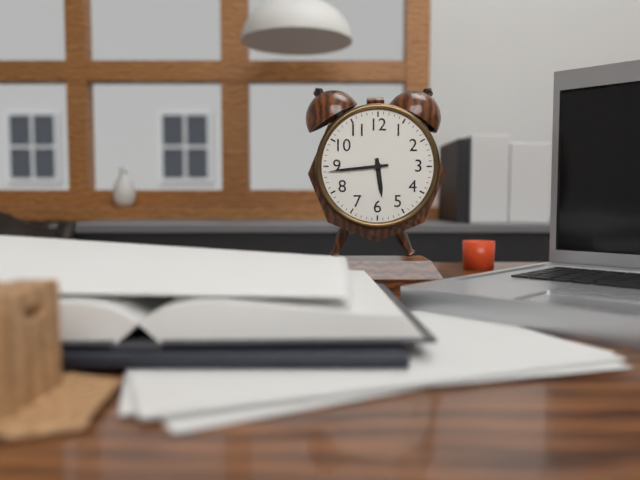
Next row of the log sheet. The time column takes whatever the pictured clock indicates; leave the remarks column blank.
5:44
